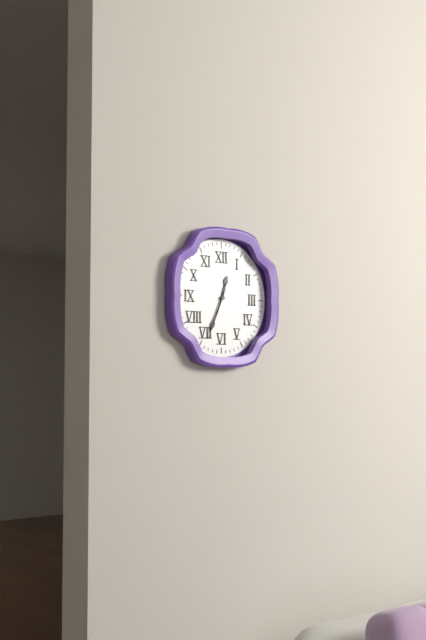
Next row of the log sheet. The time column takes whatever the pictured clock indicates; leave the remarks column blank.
12:34:34
